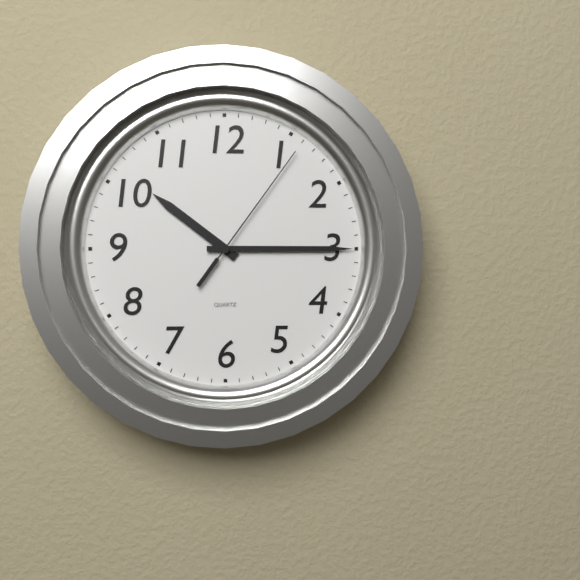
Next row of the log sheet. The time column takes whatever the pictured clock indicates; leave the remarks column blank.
10:15:06
